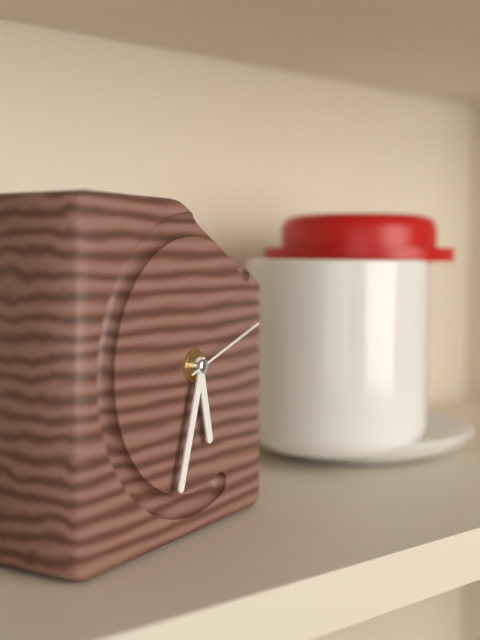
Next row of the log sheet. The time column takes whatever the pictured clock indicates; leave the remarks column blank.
5:33:12
